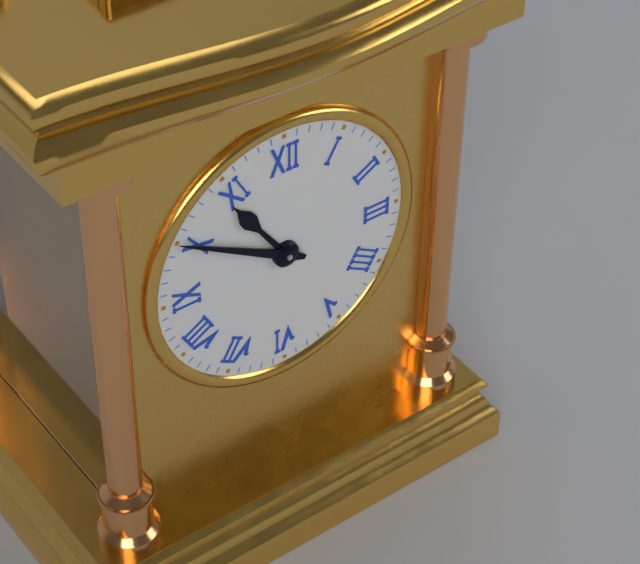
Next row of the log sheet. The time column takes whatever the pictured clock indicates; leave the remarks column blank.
10:50
